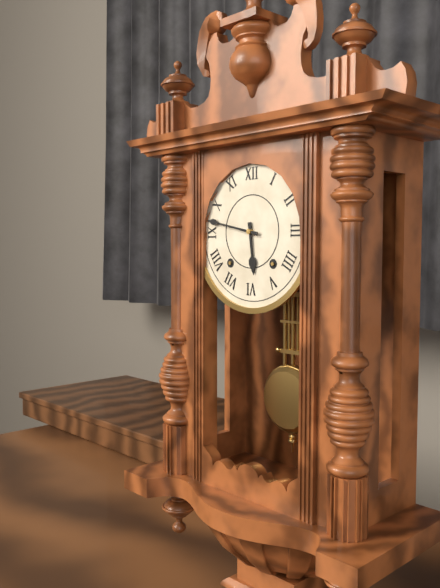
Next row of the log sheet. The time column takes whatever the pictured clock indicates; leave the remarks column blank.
5:47
